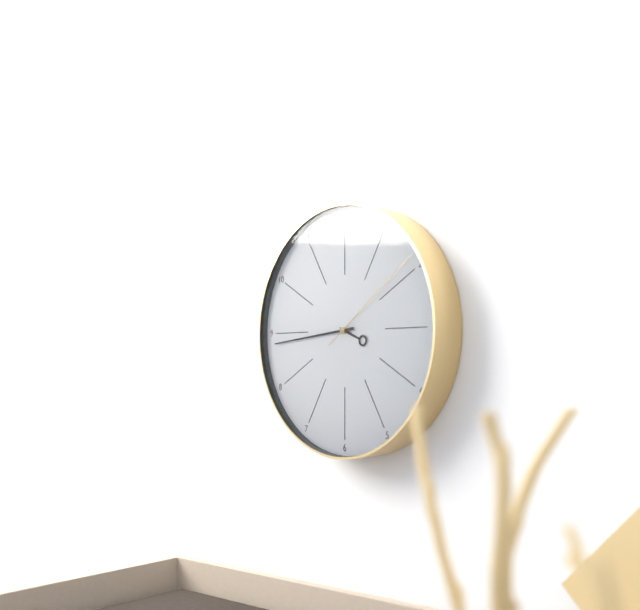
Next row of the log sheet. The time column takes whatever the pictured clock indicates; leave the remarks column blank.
3:44:09
